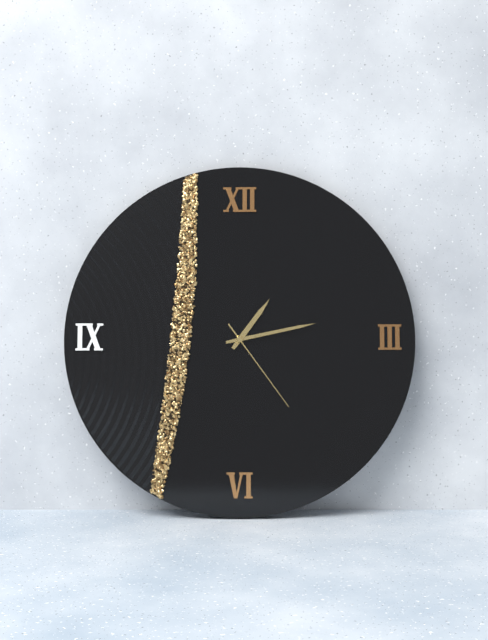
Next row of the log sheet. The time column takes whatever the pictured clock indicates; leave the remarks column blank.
1:13:24
